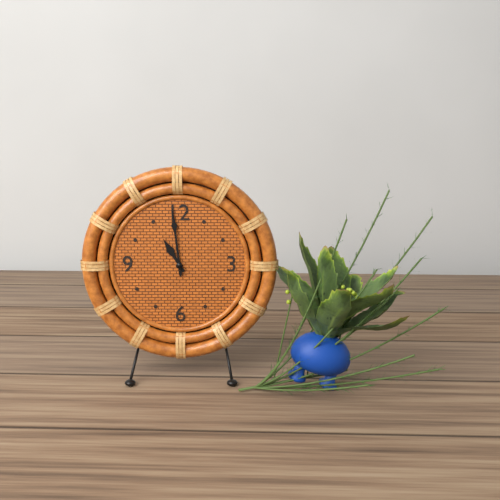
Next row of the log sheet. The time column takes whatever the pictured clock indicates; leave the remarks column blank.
10:59
